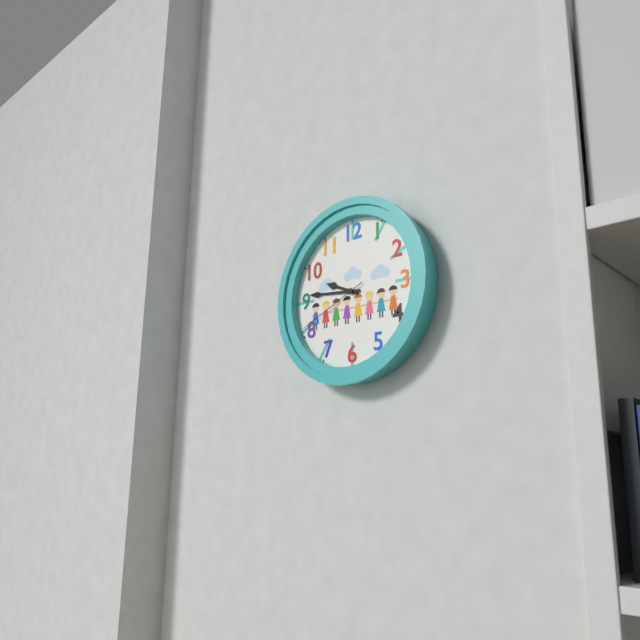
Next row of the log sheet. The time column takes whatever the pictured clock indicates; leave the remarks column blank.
9:46:41
